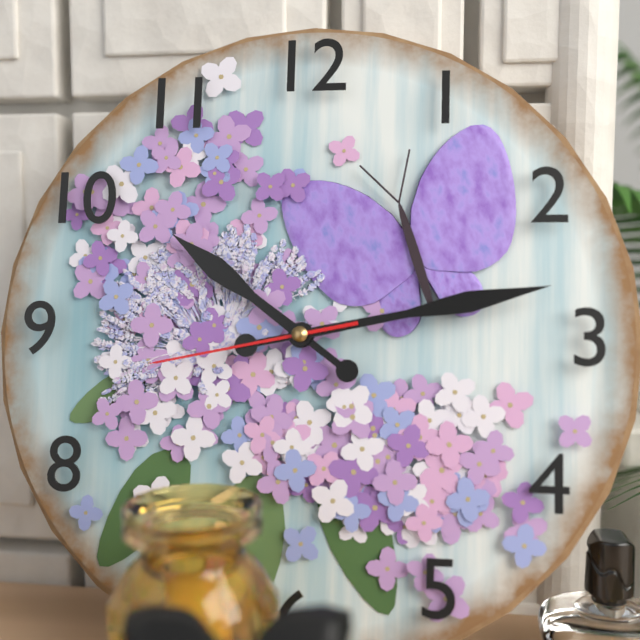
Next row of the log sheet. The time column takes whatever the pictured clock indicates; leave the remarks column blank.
10:13:43
